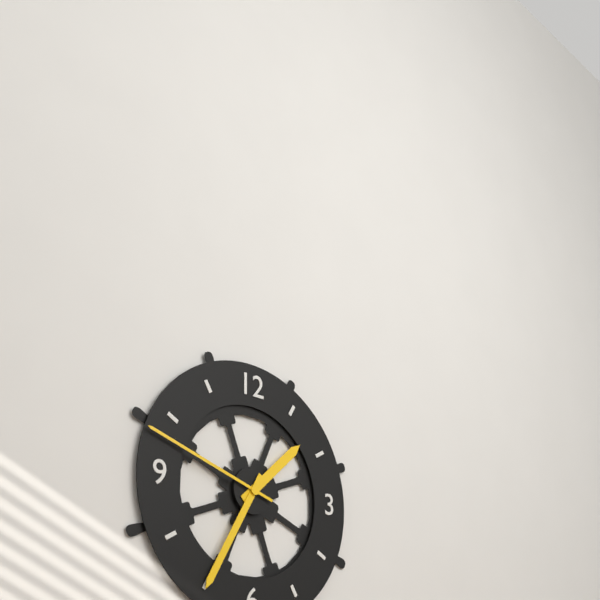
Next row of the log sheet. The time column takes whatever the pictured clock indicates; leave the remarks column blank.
1:35:48
